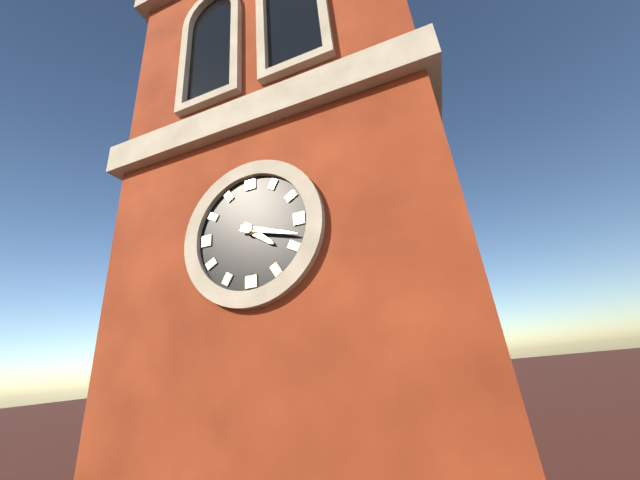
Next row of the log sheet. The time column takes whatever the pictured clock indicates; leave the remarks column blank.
4:18
